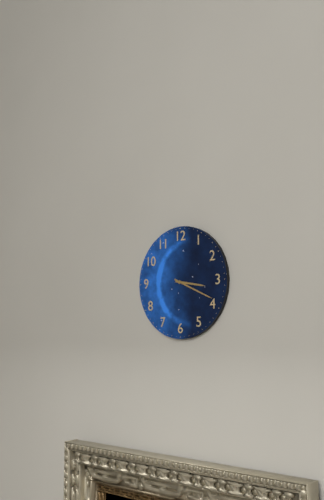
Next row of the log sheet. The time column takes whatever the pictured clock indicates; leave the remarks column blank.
3:19
